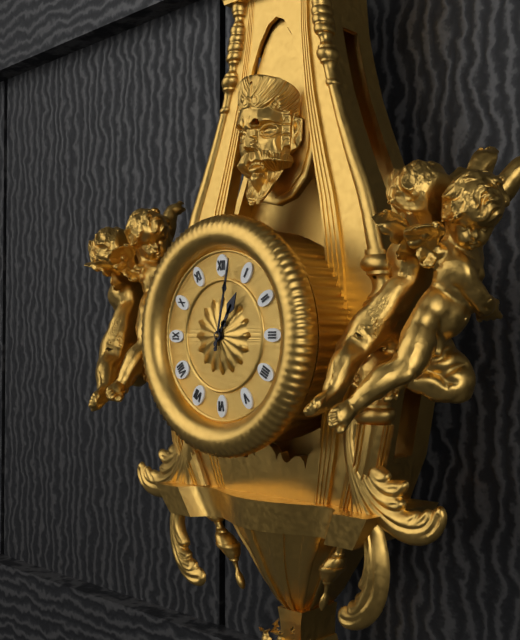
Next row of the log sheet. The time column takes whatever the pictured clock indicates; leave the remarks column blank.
1:02
